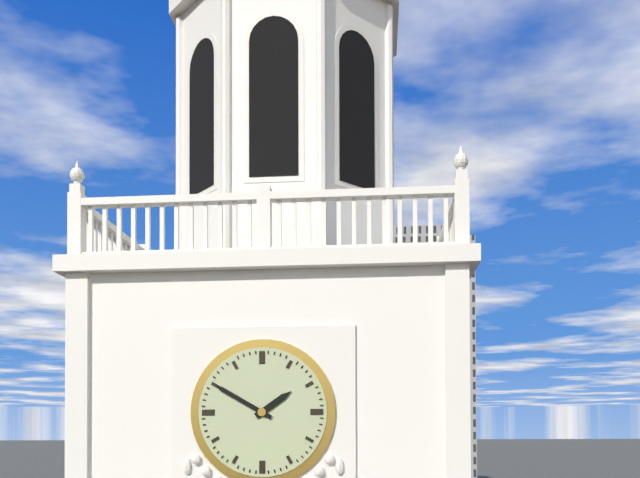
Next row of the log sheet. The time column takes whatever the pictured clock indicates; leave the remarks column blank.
1:50
